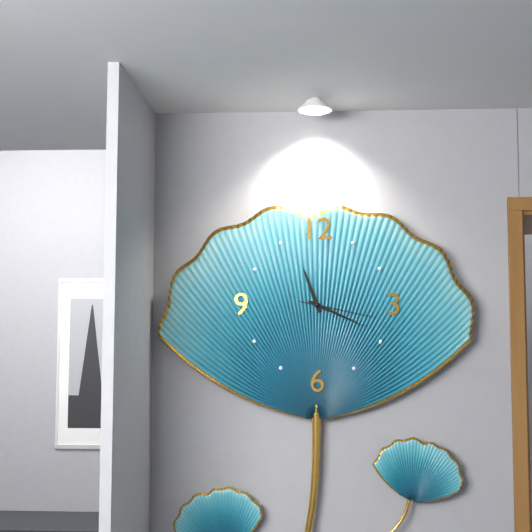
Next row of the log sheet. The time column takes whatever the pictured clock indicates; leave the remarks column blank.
11:19:17
